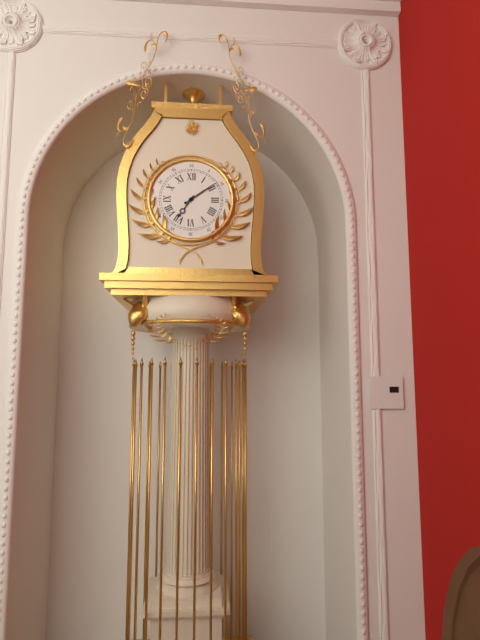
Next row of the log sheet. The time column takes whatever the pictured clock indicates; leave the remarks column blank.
7:09
